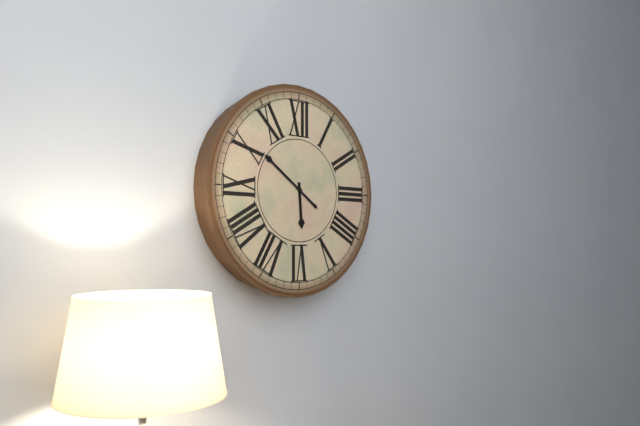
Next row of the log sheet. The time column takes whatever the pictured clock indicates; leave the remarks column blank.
5:51
